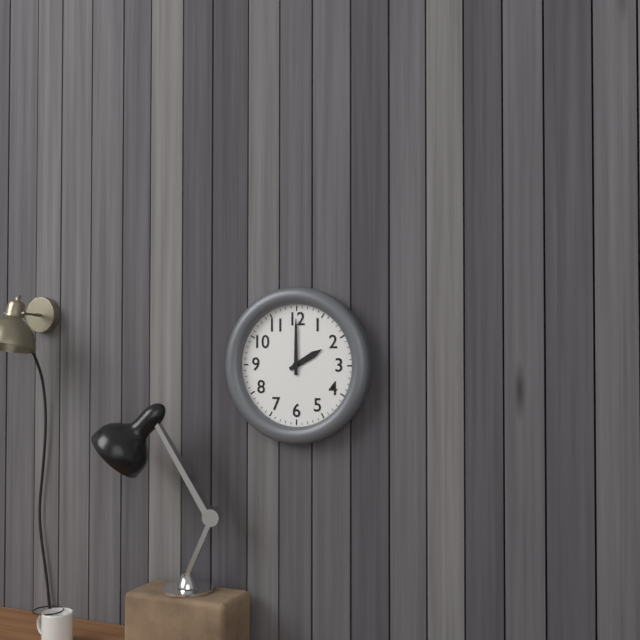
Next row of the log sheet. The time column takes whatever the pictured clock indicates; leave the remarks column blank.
2:00
